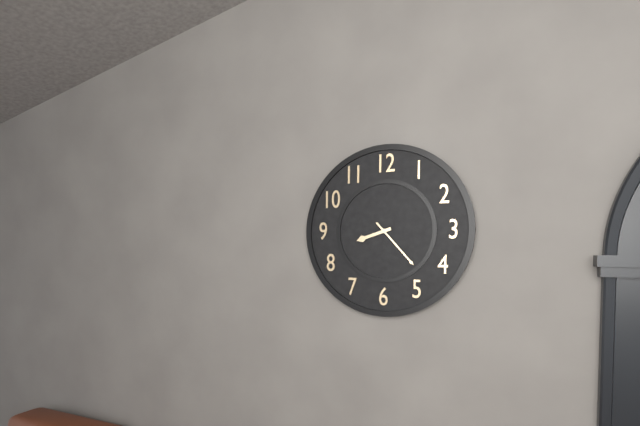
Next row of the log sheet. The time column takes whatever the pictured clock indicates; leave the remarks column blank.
8:23
